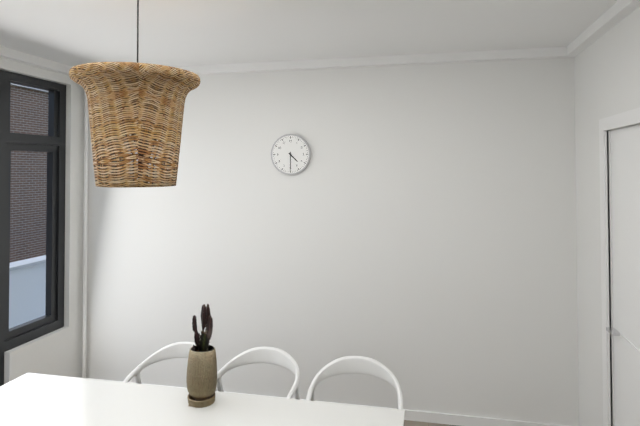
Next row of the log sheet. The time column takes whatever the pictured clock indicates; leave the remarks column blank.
4:30
